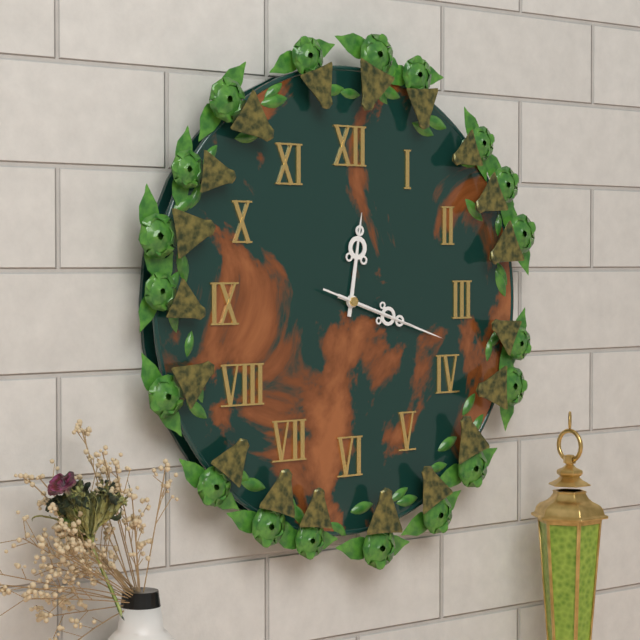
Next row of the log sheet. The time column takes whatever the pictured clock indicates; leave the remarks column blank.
12:18:18
